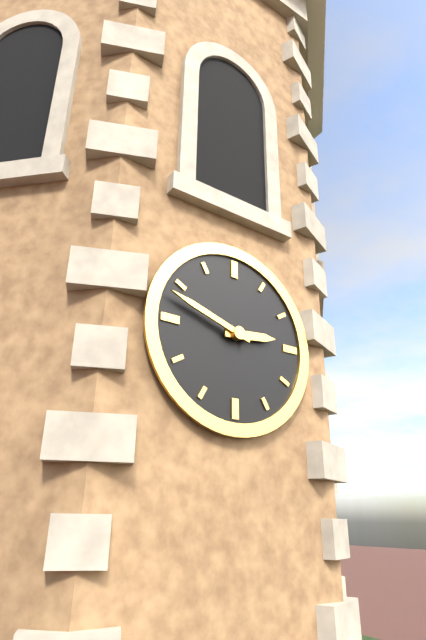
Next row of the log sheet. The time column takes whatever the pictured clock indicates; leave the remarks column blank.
2:48
